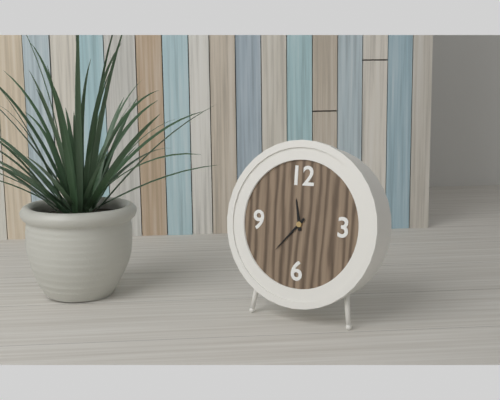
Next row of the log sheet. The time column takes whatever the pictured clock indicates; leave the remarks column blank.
11:37
